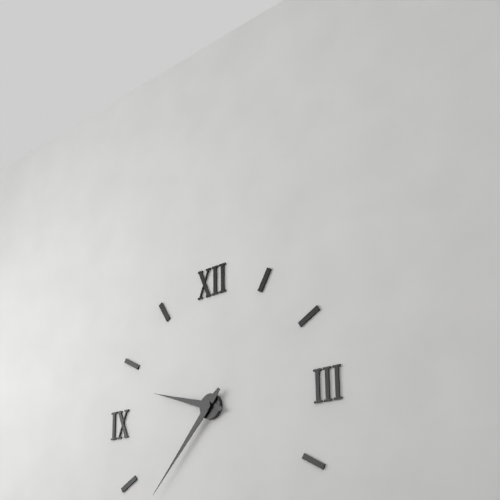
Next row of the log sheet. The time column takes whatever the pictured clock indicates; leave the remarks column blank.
9:37
